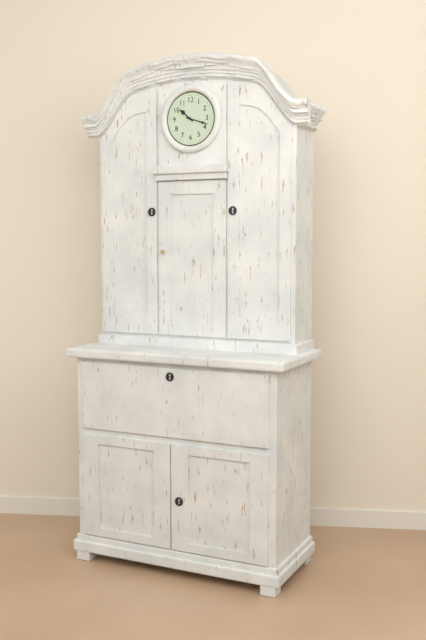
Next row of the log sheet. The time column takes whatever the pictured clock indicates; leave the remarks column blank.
10:18
